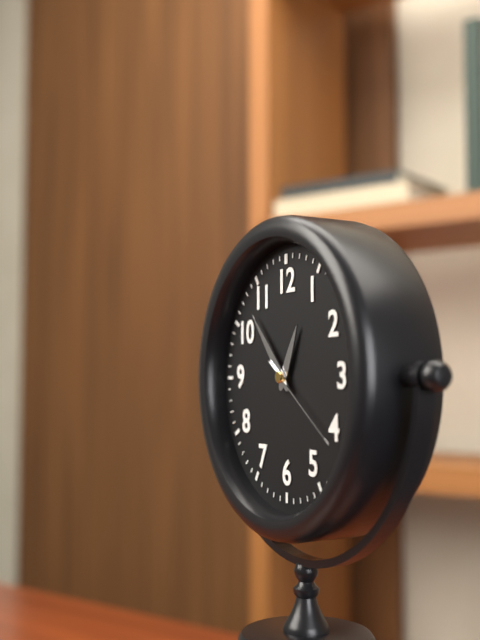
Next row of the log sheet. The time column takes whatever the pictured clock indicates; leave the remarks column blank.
12:53:21
